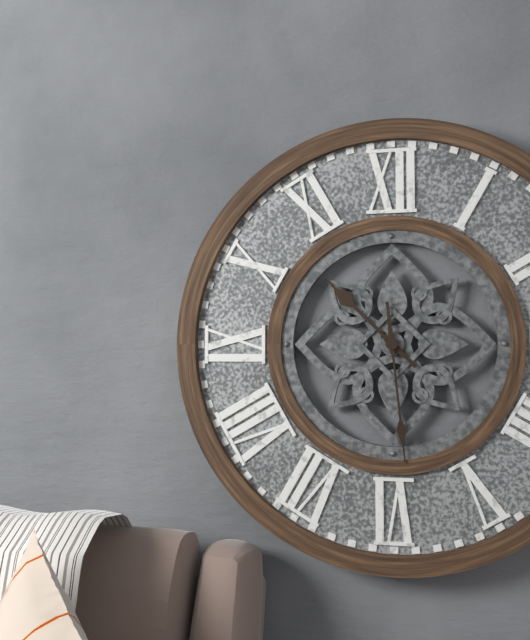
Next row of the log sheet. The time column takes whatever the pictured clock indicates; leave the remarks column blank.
10:29
